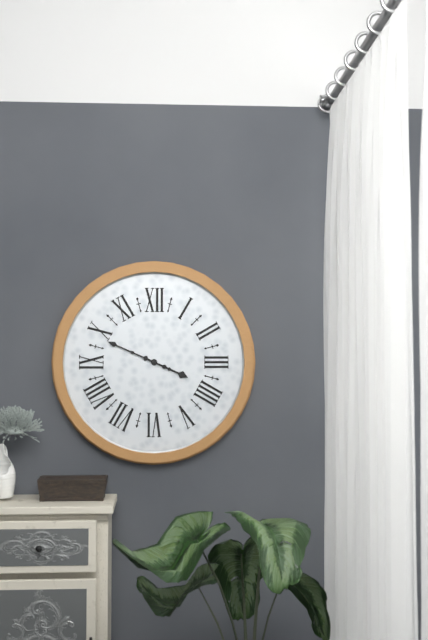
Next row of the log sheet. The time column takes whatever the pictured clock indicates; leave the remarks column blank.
3:49
